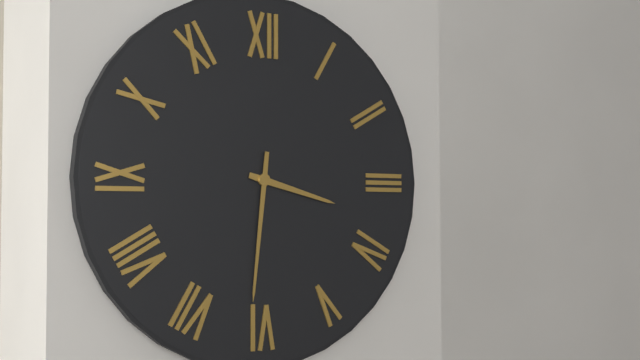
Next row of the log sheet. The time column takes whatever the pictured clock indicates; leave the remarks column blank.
3:31
